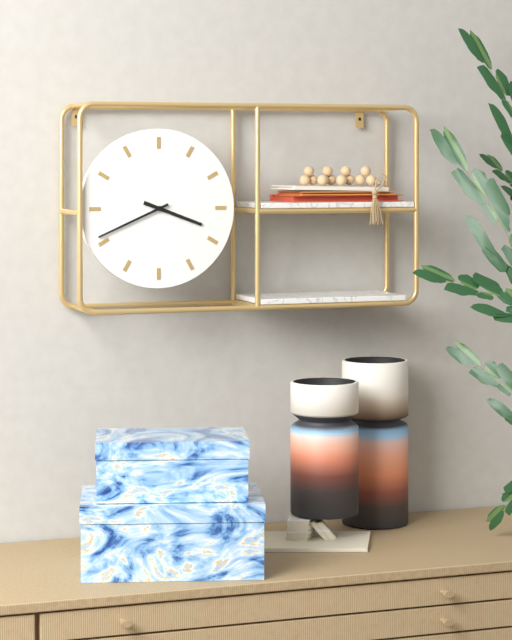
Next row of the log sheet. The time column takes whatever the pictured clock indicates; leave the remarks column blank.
3:41
